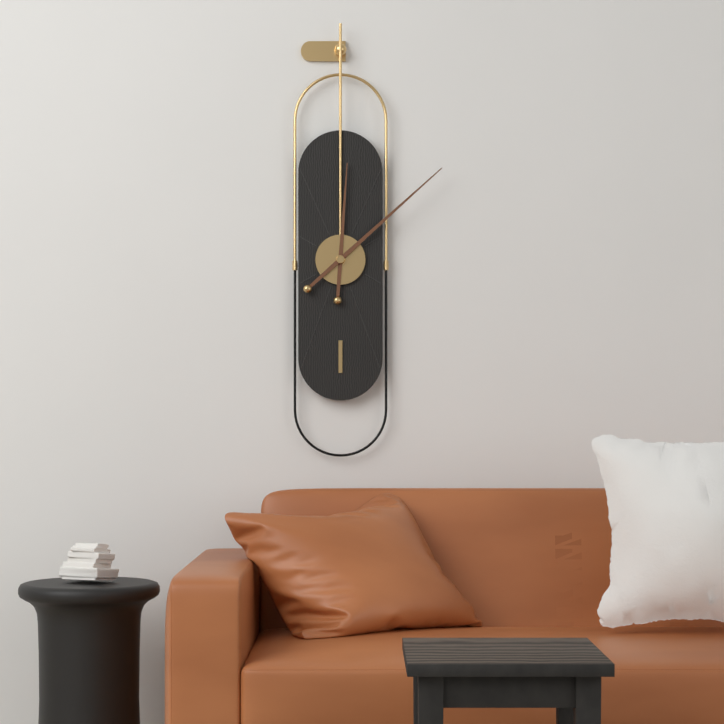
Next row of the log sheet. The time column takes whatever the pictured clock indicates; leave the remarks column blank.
12:08
